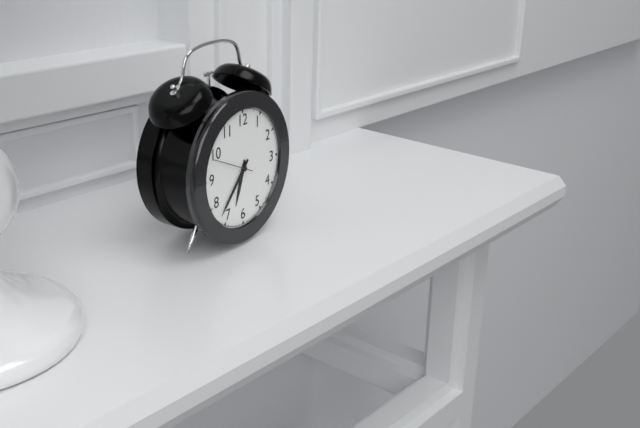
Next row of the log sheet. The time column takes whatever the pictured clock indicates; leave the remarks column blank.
6:37
